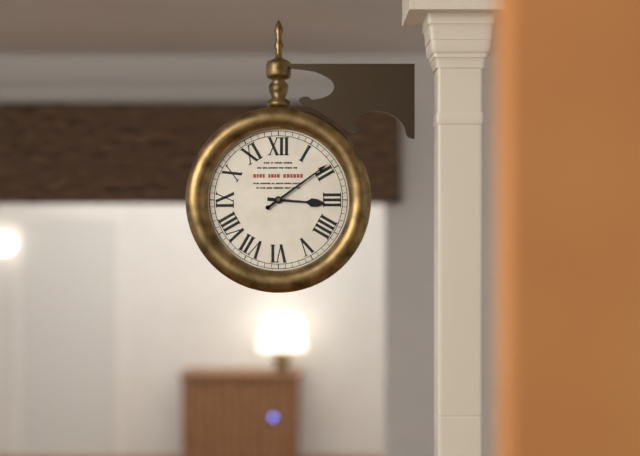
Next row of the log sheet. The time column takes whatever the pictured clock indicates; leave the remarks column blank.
3:09
